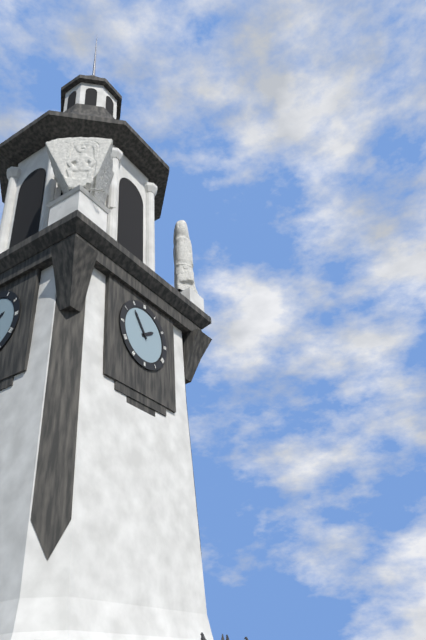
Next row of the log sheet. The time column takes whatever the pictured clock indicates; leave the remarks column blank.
1:54
